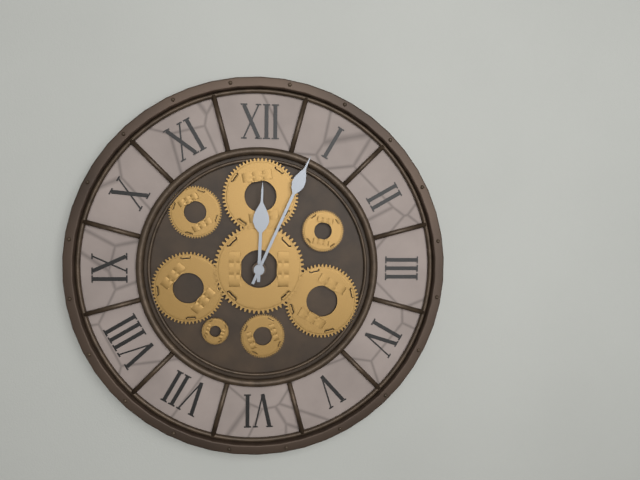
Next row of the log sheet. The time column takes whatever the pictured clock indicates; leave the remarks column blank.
12:04
